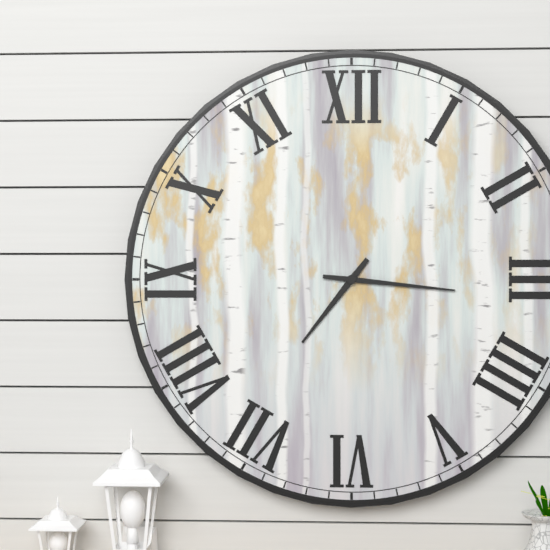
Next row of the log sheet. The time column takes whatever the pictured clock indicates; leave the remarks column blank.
7:16
